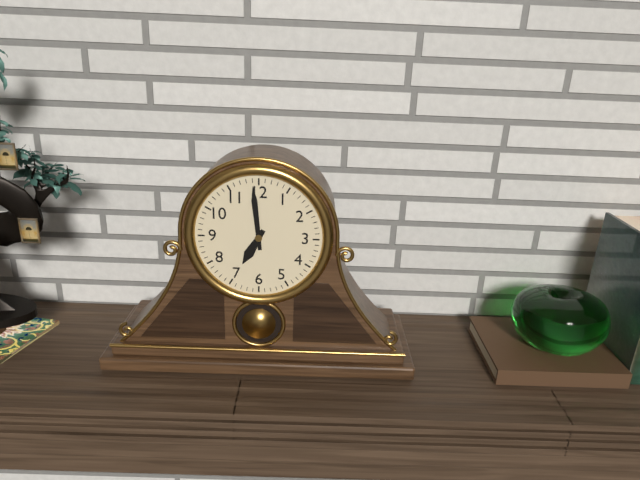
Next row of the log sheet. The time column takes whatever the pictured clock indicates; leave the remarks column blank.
6:59
